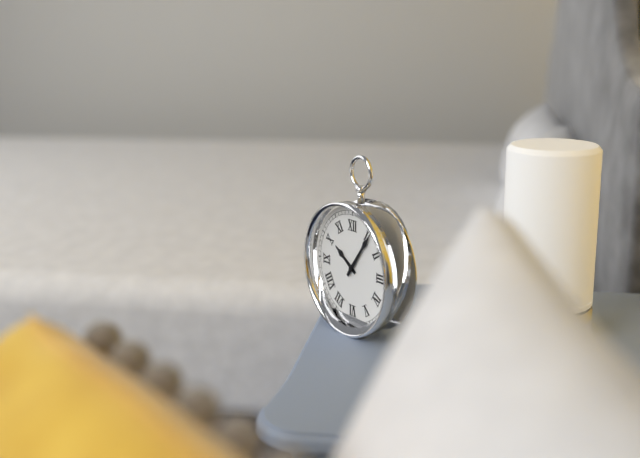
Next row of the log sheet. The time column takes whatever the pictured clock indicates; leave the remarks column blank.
10:06
